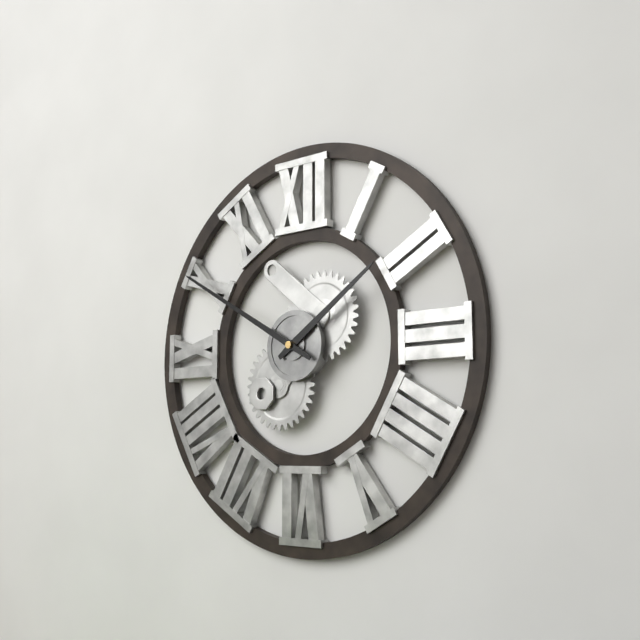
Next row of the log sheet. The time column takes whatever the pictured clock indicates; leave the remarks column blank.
1:50
